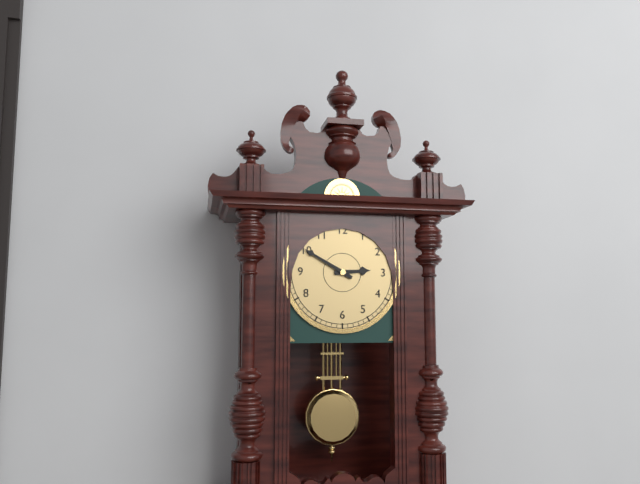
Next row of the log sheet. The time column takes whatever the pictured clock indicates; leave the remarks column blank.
2:50
